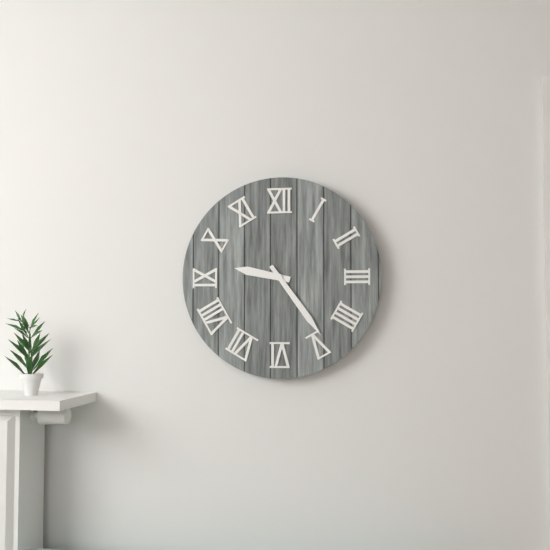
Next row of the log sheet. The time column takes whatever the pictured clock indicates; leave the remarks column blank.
9:24
